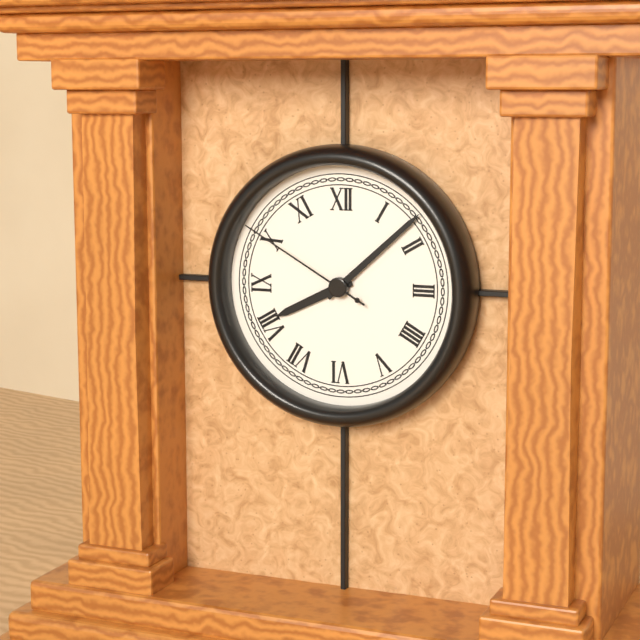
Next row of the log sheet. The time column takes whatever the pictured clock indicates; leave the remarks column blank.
8:08:50
